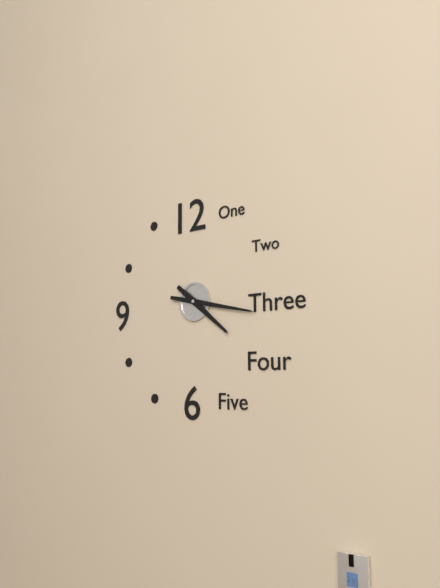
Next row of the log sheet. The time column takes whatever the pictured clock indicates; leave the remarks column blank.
4:17
